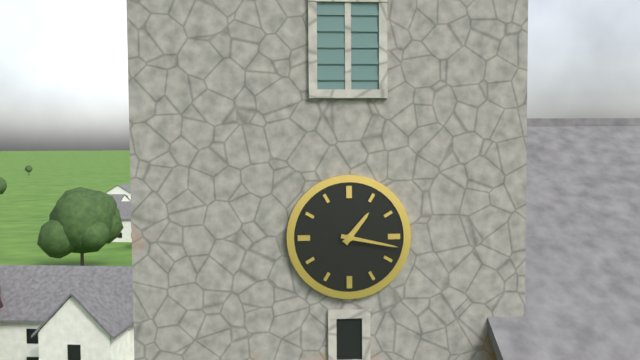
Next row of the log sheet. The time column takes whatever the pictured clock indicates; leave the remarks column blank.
1:17
